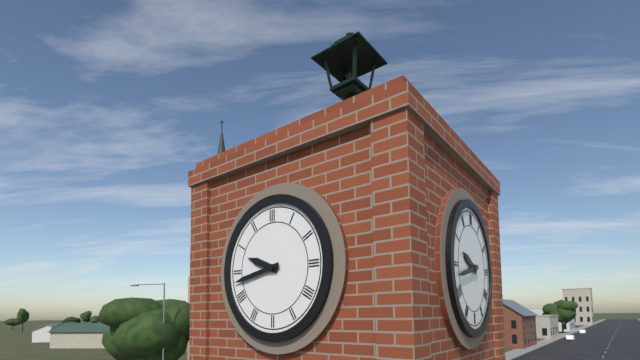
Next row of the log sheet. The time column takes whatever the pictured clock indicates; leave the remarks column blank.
9:43
